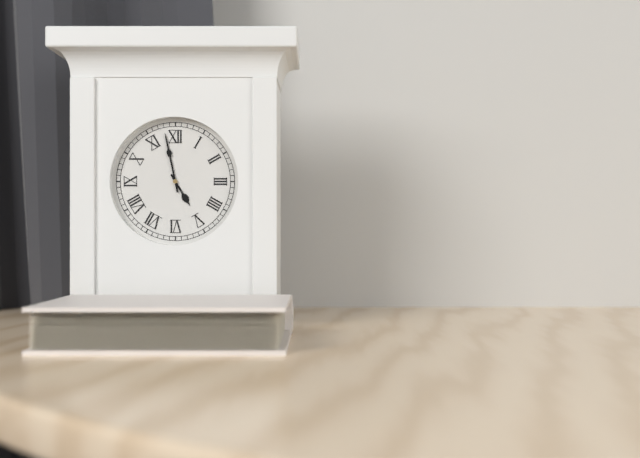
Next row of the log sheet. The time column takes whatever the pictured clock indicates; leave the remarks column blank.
4:58
